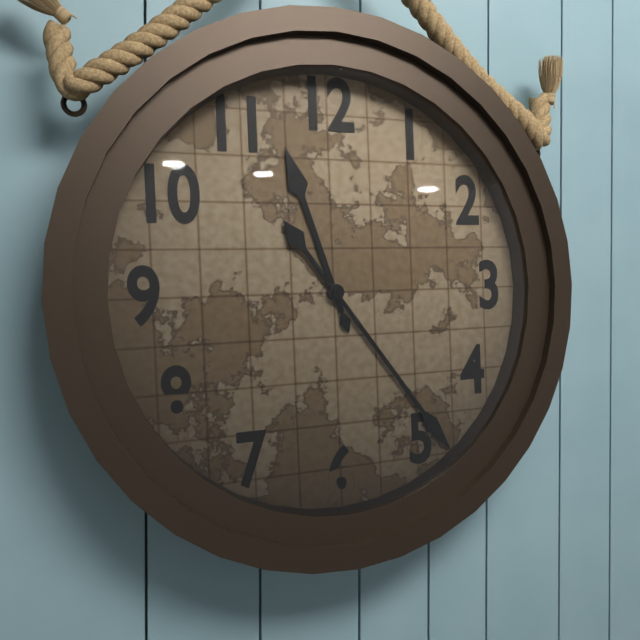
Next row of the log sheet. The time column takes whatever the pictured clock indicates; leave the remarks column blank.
11:24
